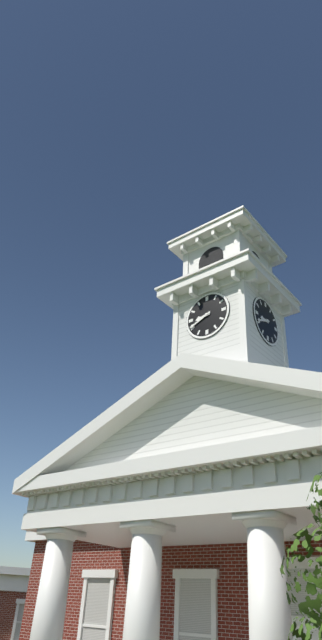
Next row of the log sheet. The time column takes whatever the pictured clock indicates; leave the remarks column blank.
8:41
